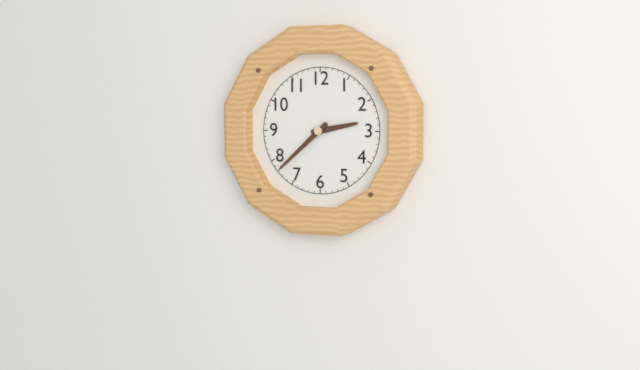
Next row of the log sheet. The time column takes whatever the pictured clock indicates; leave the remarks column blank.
2:38
